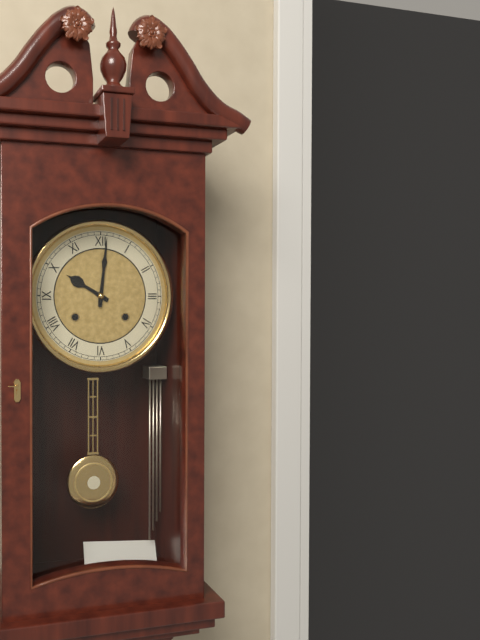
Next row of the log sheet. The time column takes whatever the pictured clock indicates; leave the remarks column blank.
10:01
